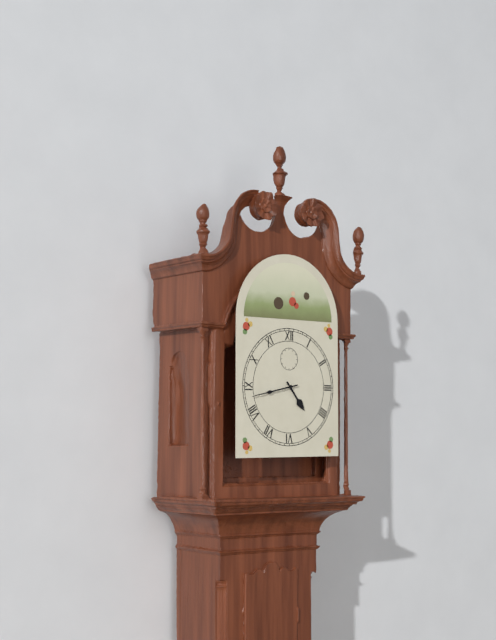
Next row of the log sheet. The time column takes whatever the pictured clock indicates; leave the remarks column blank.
4:43
